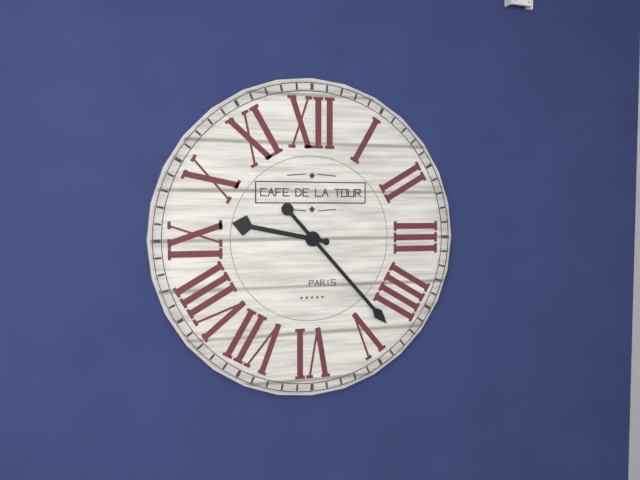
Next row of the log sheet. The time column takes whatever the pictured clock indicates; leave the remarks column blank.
9:23
